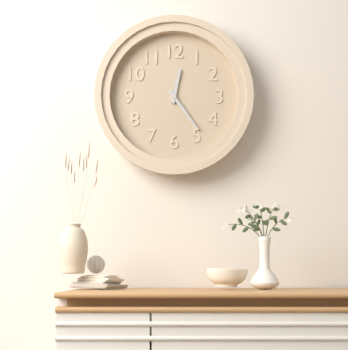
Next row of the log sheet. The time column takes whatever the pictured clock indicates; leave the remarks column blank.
12:24
